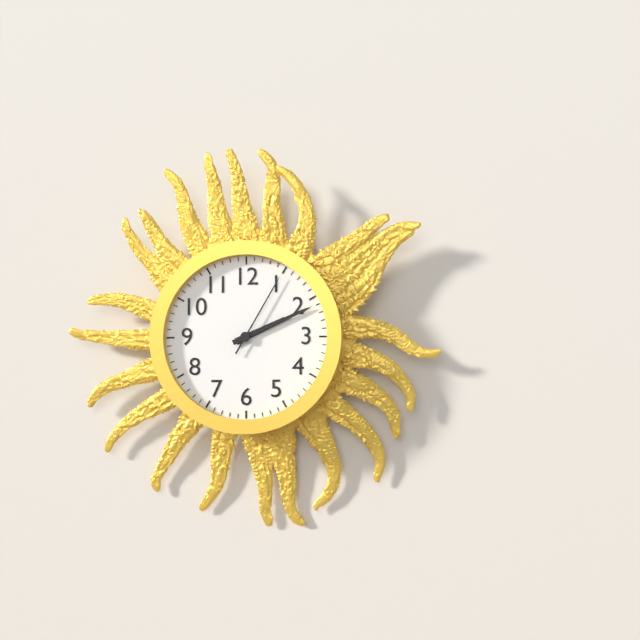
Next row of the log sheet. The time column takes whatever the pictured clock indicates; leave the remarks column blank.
2:11:05
